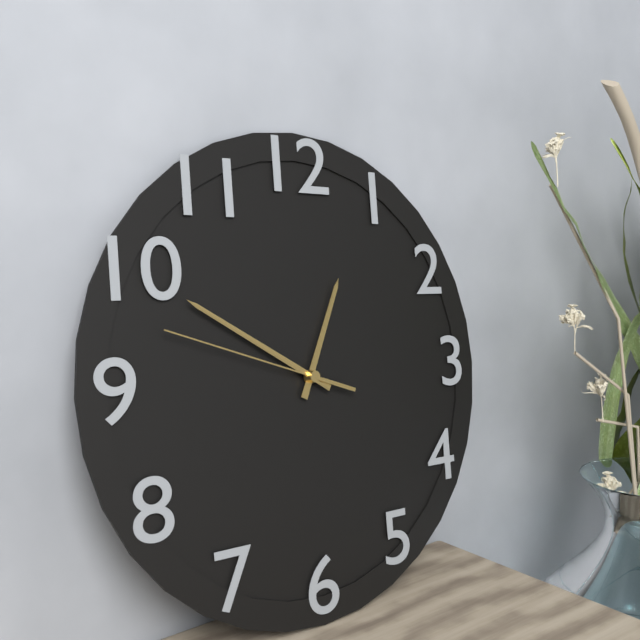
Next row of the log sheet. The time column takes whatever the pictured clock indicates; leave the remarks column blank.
12:50:48
